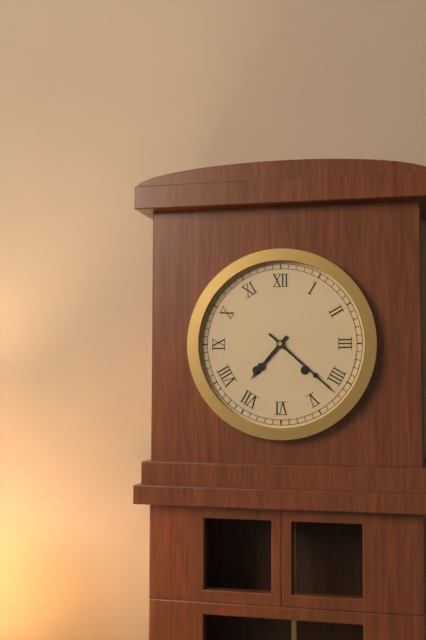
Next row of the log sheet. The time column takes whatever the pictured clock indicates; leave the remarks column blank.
7:22
